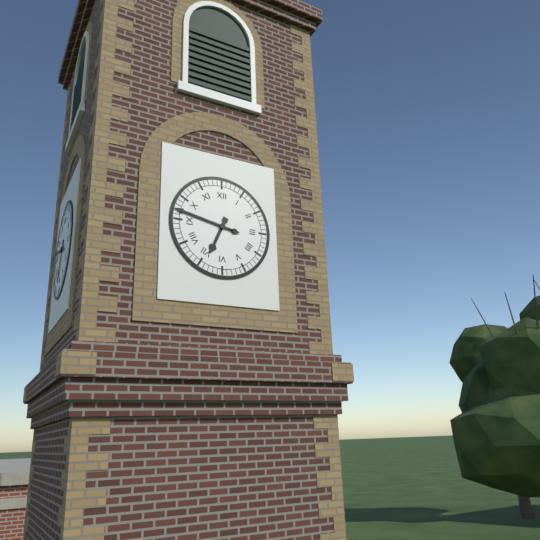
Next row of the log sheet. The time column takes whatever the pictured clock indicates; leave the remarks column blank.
6:47
